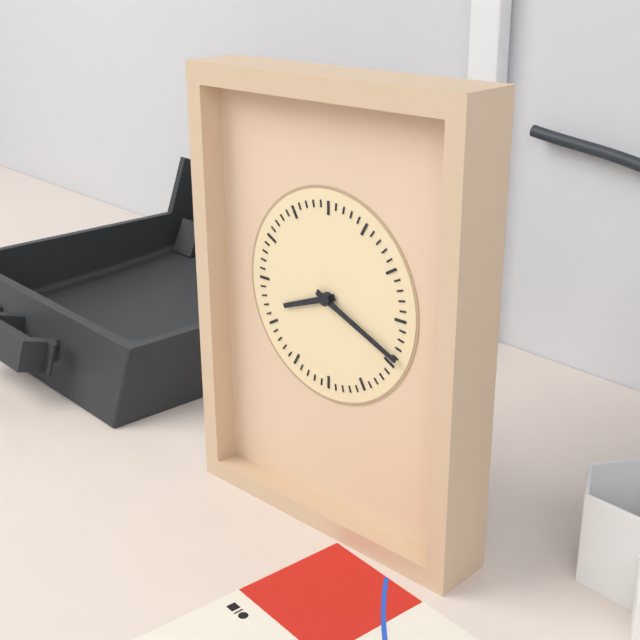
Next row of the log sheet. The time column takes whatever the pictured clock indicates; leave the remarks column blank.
8:19
